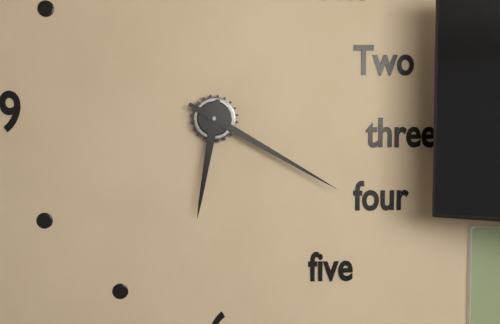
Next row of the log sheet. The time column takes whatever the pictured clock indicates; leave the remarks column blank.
6:20
